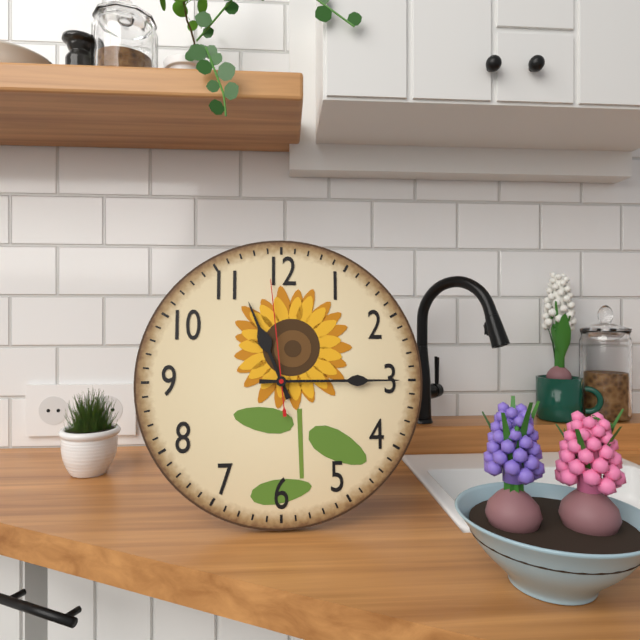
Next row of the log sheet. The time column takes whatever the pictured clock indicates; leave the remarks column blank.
11:15:59
